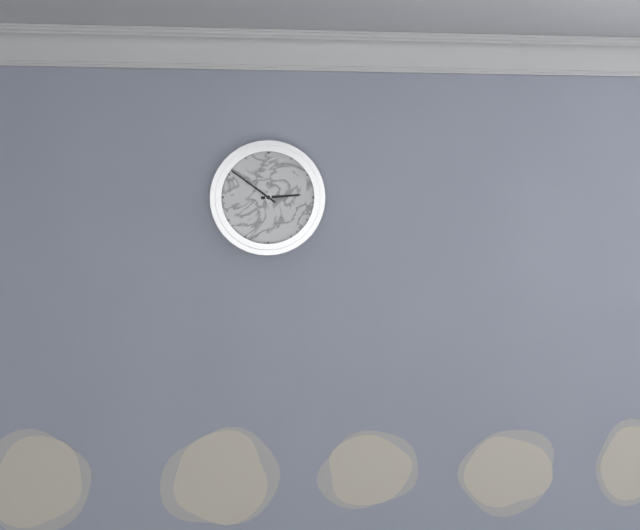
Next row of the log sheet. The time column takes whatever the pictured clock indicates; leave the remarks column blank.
2:51
